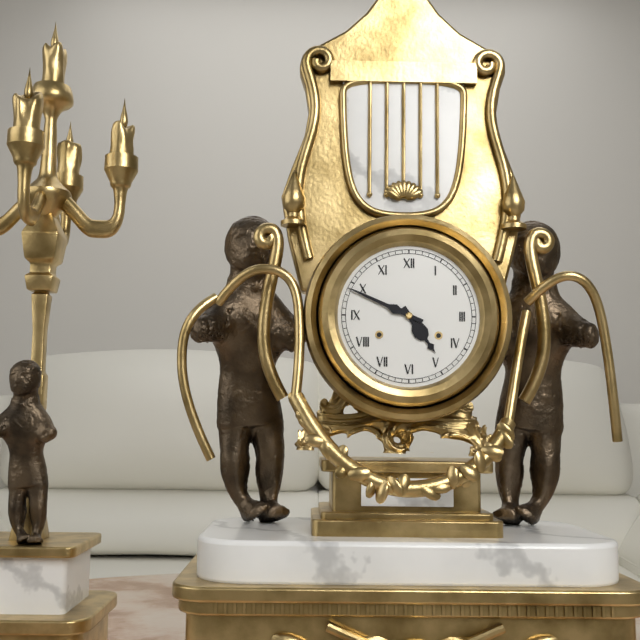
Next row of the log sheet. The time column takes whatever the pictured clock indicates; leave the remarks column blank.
4:49
